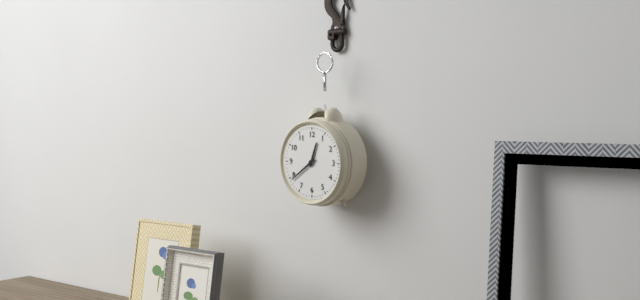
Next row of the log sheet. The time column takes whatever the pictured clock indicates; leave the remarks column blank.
12:39
